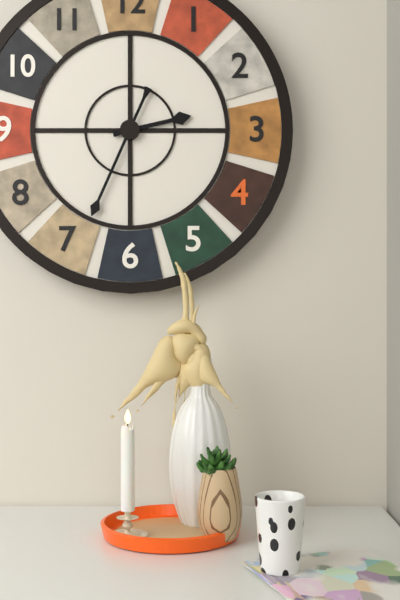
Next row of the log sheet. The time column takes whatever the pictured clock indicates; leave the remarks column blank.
2:34
